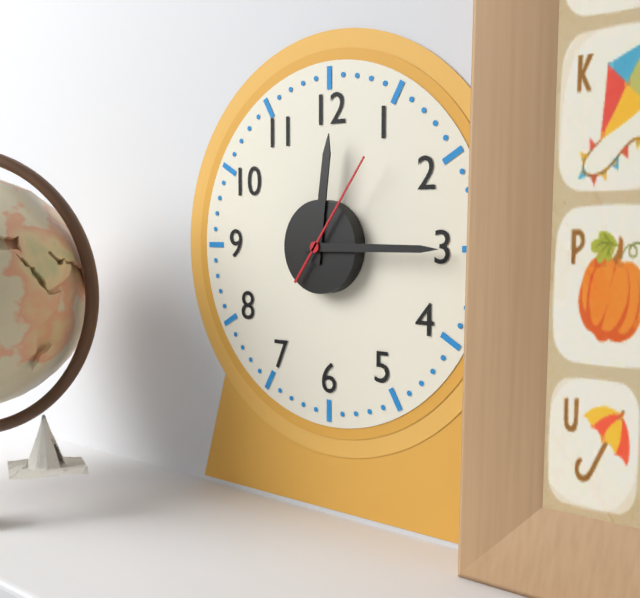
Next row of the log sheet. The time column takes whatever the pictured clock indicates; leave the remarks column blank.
12:15:06
